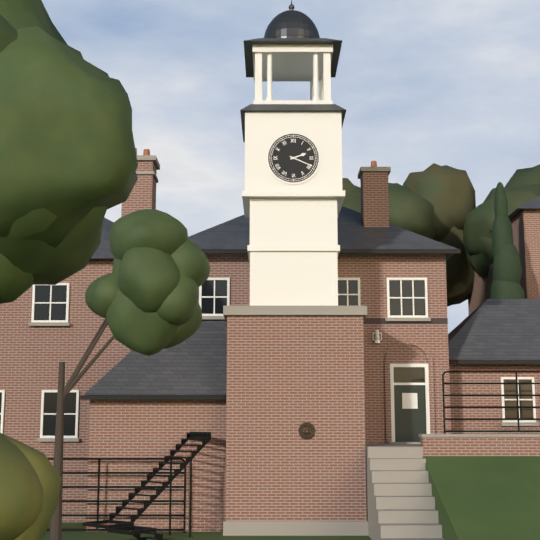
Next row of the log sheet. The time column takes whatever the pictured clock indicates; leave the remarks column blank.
2:19
